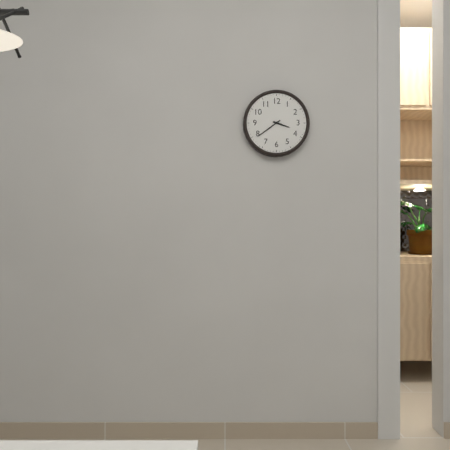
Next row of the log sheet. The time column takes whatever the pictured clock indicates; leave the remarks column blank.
3:39
